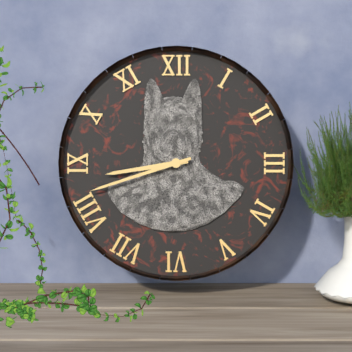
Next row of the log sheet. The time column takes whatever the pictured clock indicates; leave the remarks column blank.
8:42
